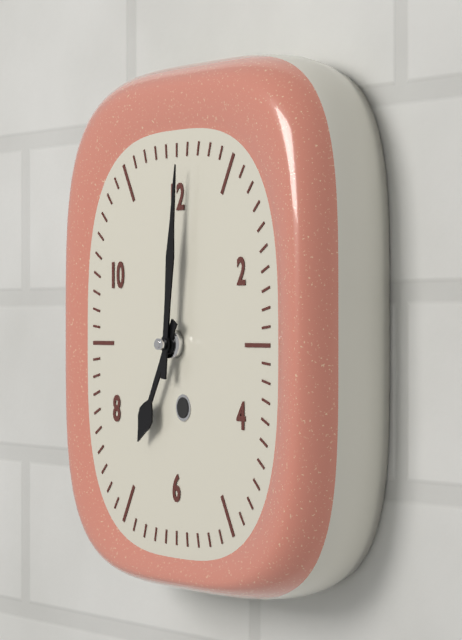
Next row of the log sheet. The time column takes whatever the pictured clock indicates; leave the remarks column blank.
7:01
